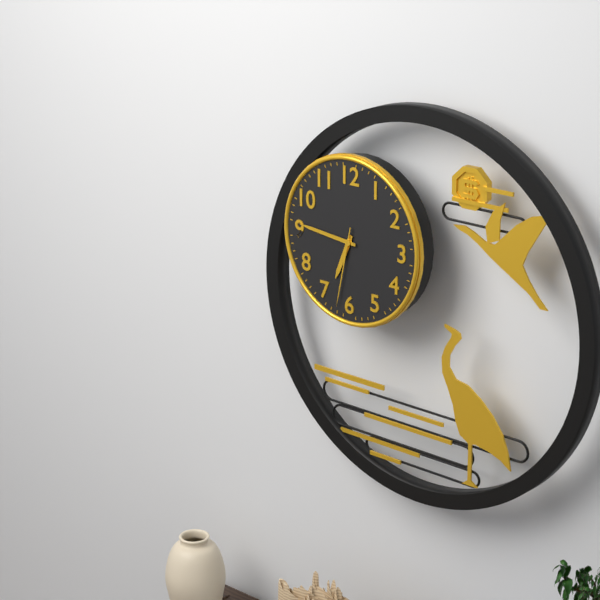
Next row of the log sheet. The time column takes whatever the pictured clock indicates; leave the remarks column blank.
6:46:32
